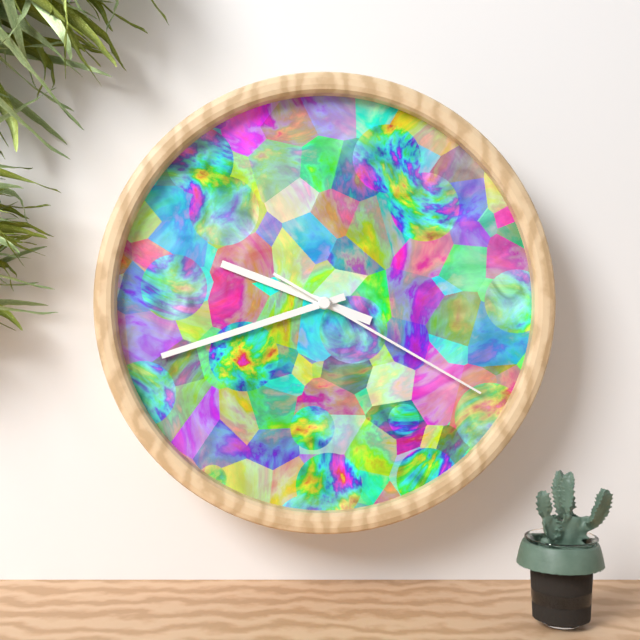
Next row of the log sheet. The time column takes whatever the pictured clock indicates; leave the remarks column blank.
9:42:20
